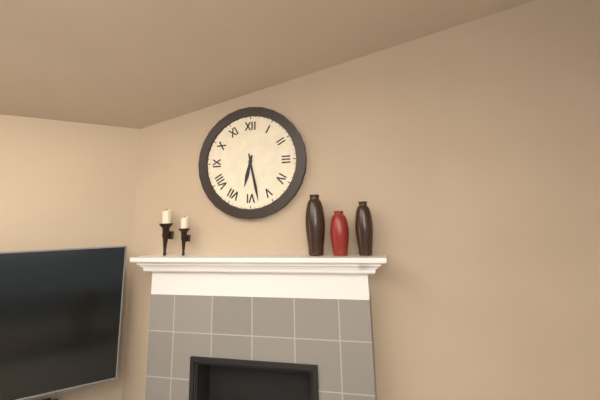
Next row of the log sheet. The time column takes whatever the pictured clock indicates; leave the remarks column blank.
6:28
